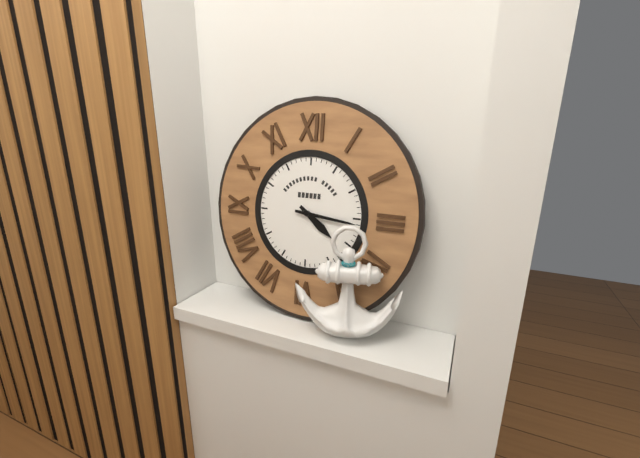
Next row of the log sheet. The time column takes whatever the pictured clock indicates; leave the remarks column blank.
4:16
